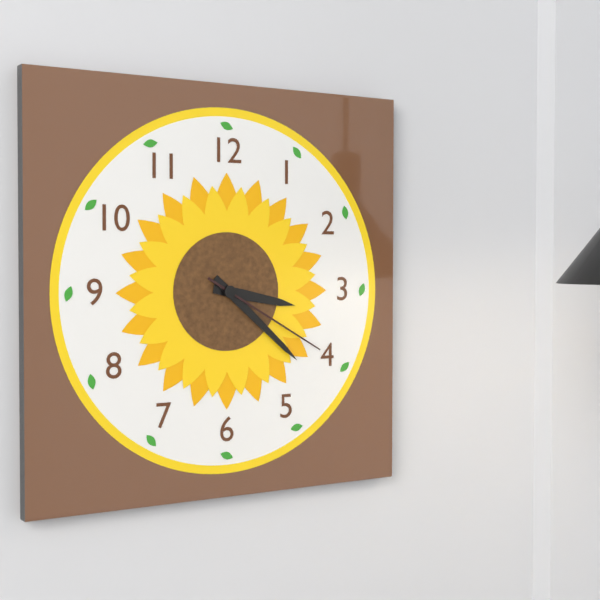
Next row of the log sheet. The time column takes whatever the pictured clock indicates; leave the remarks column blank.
3:22:20
